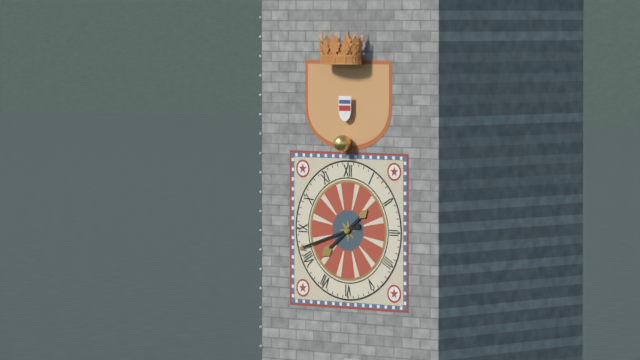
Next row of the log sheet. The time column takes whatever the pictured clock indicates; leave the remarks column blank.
7:42
